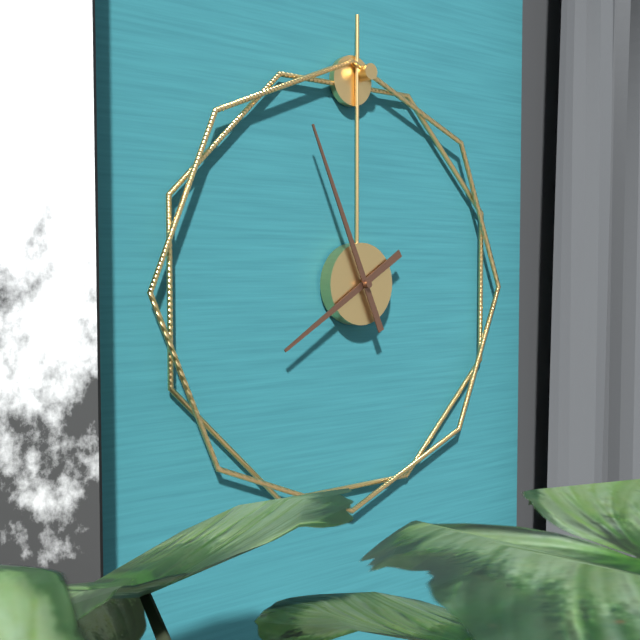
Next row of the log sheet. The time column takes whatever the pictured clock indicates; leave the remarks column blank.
7:56
